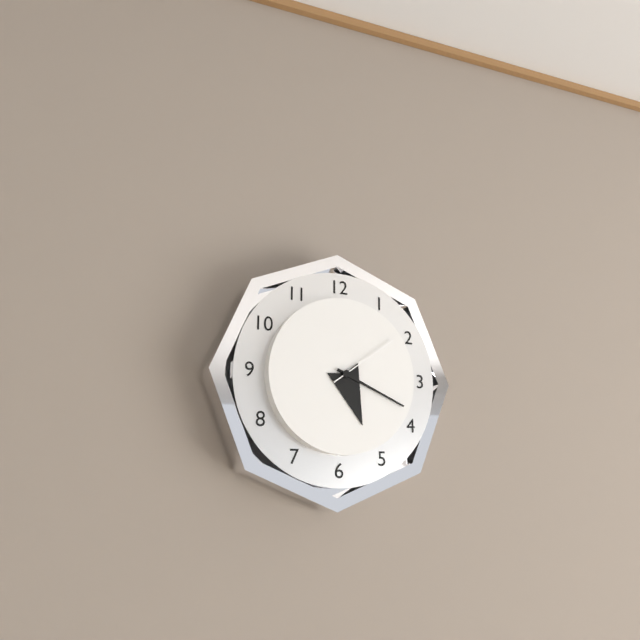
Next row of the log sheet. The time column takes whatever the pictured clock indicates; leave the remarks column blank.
5:19:09
